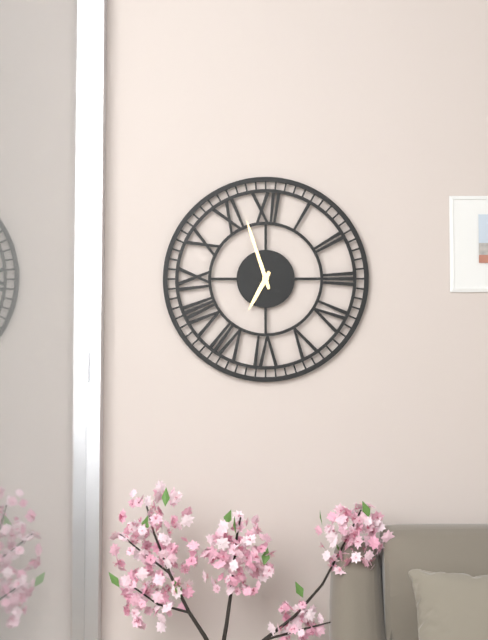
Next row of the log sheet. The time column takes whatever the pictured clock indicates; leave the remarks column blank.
6:57
